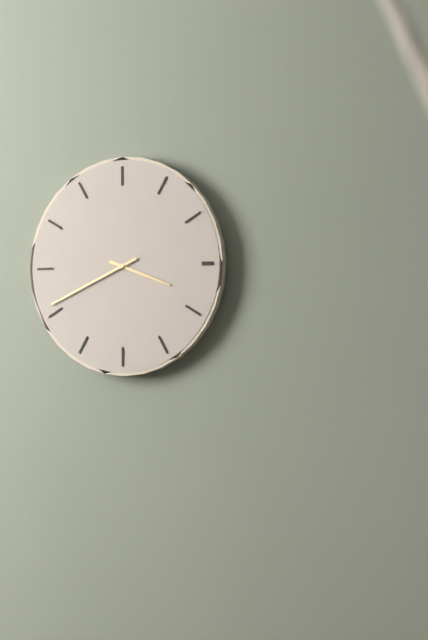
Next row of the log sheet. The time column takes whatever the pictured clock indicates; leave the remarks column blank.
3:41
